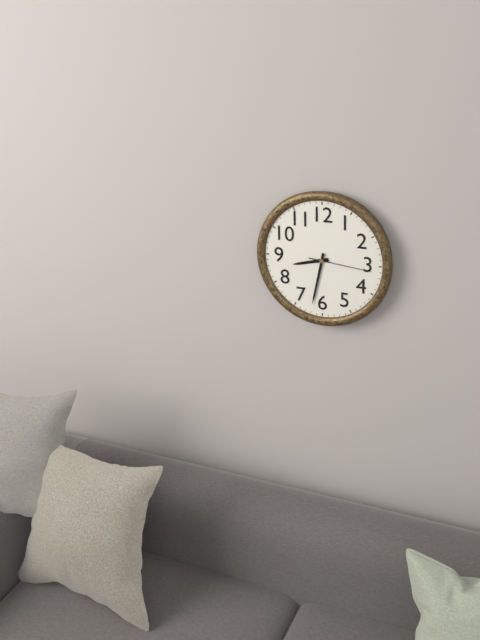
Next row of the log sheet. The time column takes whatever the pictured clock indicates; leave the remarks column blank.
8:32:16
